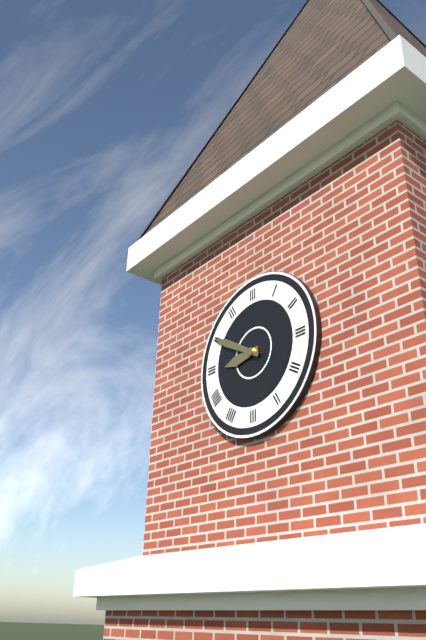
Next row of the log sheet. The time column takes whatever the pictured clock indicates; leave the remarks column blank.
8:50
